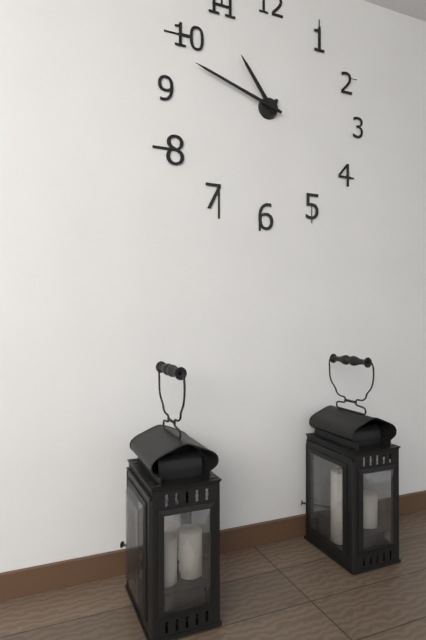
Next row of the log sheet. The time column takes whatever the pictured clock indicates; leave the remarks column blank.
10:48
